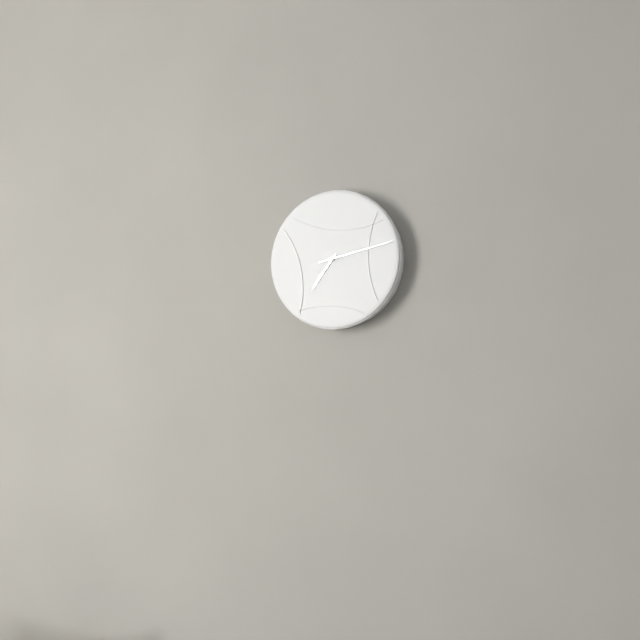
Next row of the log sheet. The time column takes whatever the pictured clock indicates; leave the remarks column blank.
7:13
